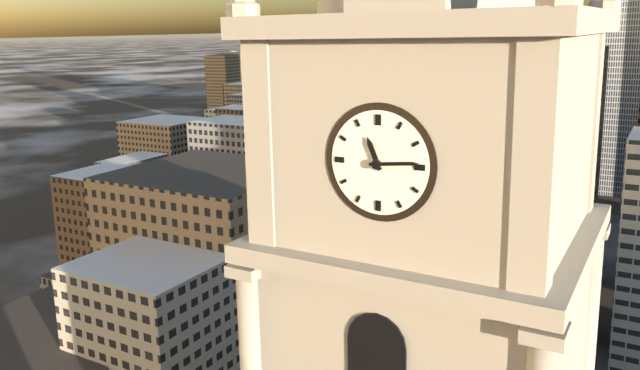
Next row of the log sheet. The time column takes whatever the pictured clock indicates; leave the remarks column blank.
11:14
